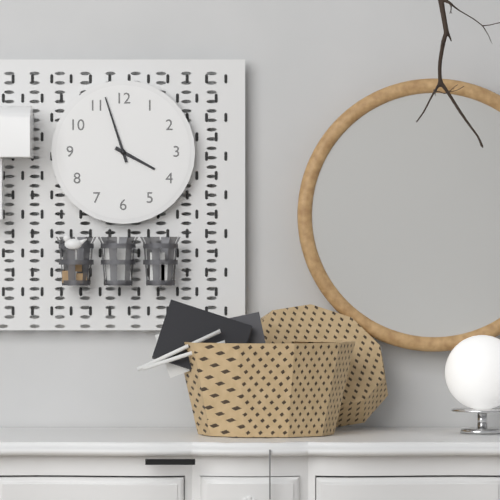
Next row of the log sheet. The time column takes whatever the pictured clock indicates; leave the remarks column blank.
3:57
